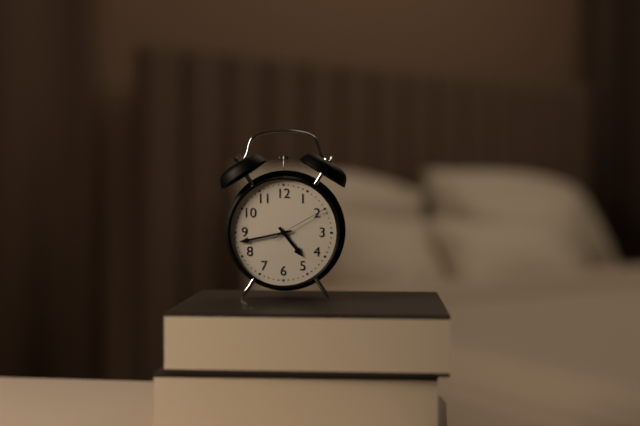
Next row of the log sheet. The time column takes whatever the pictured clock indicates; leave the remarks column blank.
4:43:10
